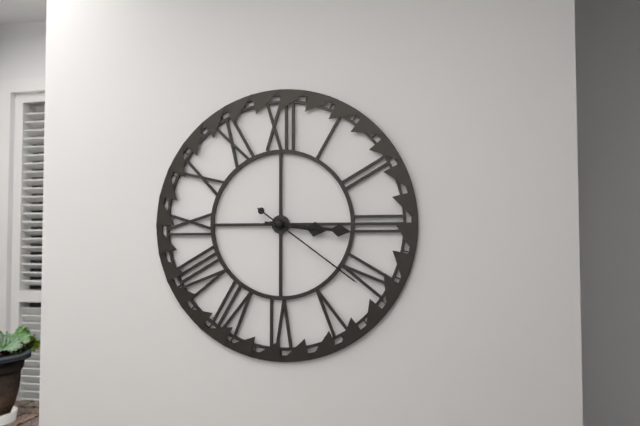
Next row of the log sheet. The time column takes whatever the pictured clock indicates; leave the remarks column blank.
3:16:21
